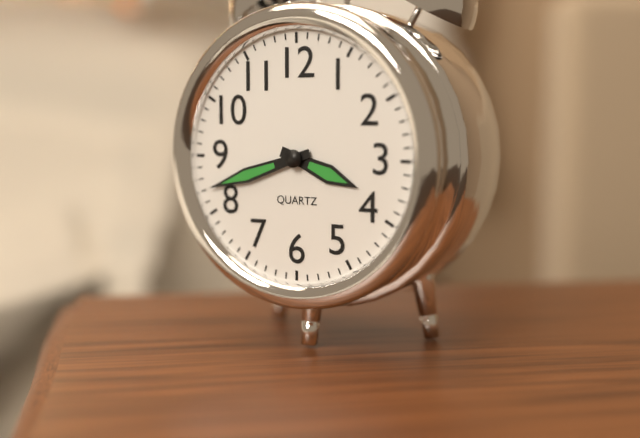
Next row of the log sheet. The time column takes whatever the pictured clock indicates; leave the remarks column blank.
3:42
